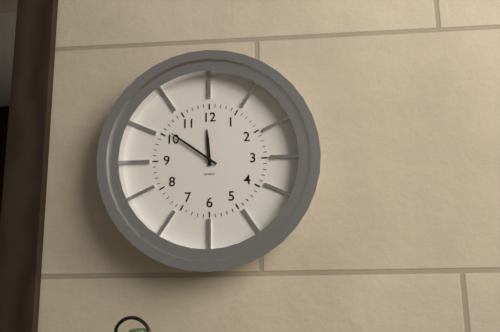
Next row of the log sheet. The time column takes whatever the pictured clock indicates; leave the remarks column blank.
11:51
